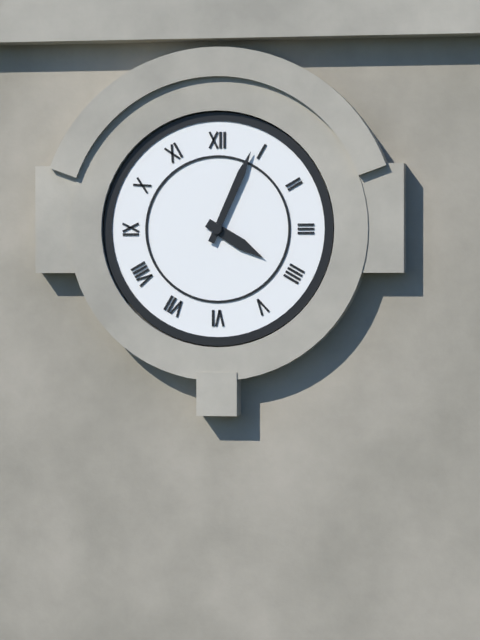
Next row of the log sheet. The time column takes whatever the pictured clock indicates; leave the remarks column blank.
4:04
